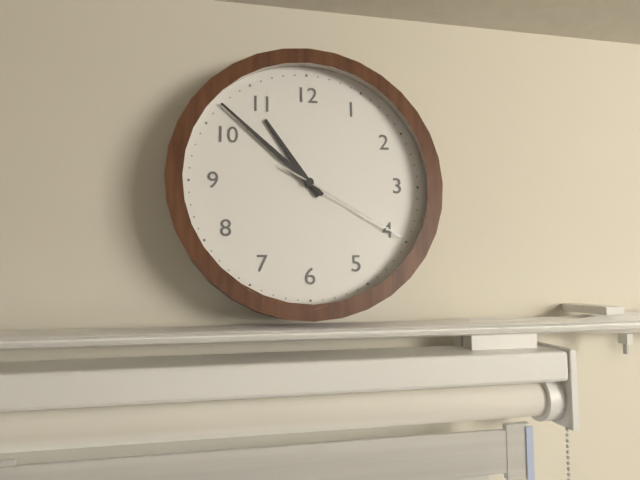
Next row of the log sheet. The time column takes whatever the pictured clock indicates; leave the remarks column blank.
10:52:20
